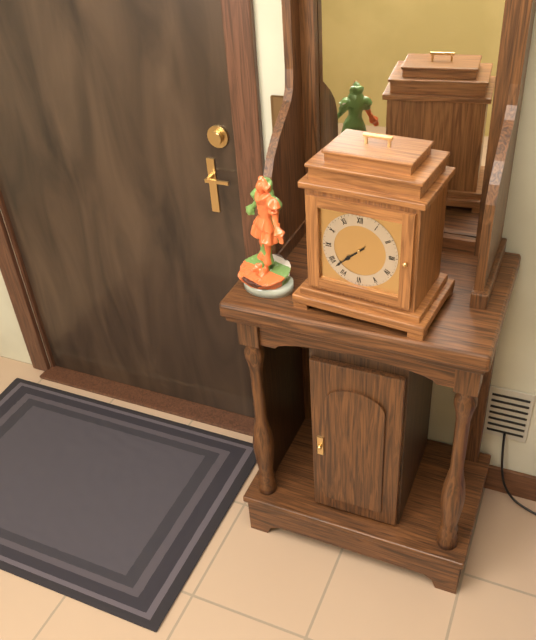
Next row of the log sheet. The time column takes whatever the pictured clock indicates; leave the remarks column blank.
7:38
